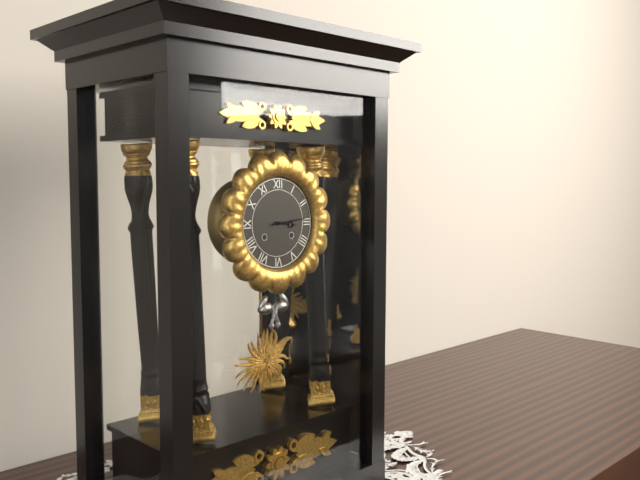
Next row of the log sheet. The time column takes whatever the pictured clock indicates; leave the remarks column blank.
3:14
